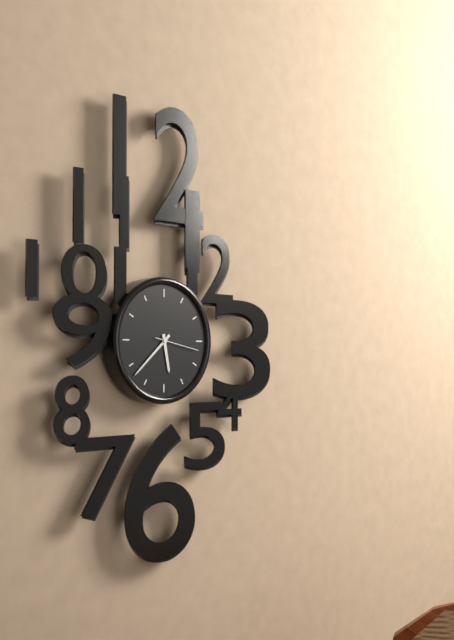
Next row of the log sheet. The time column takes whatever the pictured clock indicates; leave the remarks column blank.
5:38:17
